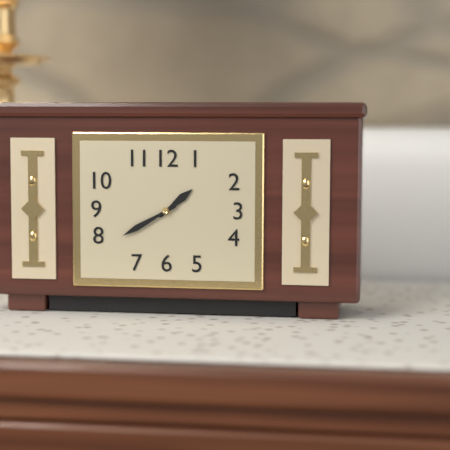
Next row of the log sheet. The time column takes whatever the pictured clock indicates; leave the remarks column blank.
1:40
